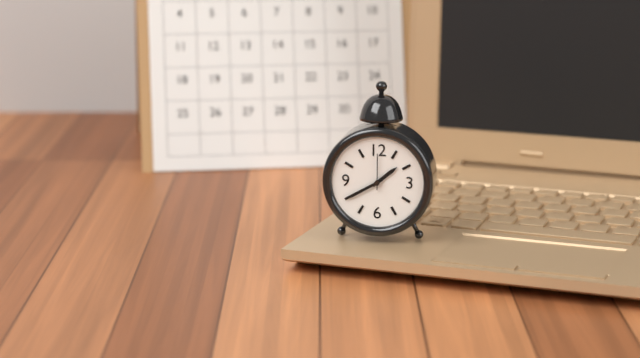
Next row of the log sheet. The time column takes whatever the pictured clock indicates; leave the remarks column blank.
1:40
